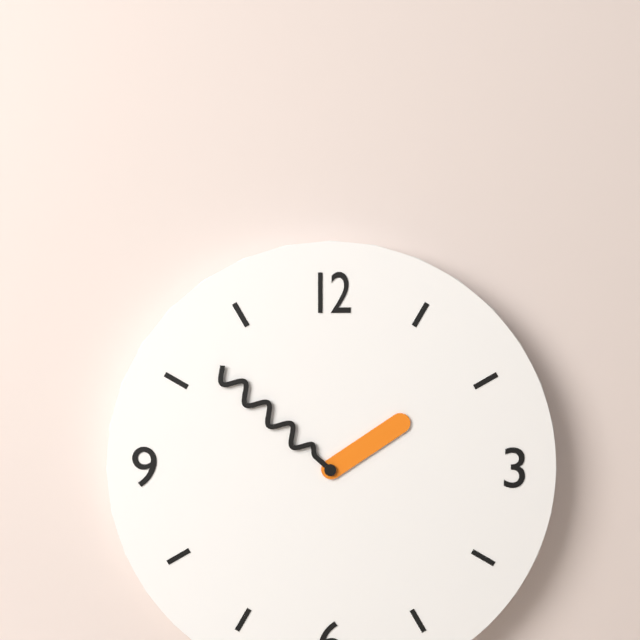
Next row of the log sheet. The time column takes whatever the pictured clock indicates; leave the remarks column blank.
1:52
